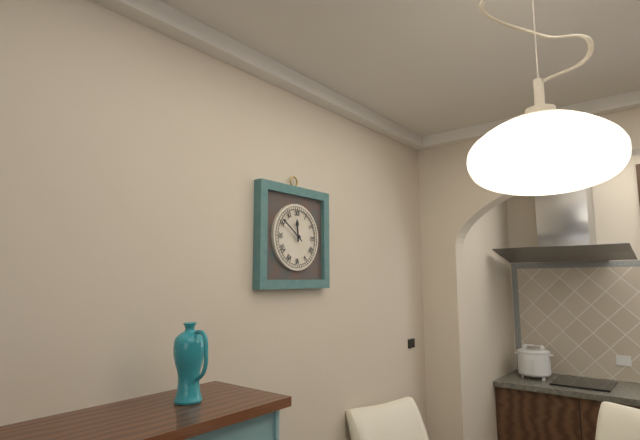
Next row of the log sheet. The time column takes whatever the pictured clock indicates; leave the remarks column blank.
11:51
